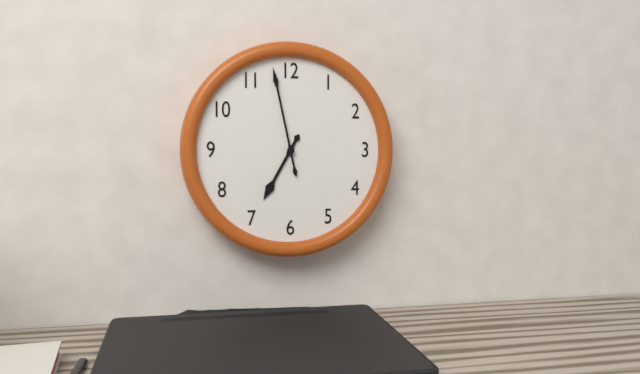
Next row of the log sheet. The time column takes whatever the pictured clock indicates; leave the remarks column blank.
6:58
